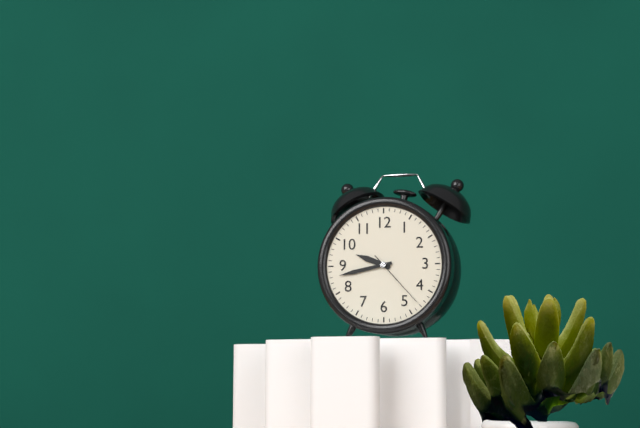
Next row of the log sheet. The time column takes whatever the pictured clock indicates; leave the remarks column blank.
9:43:23
